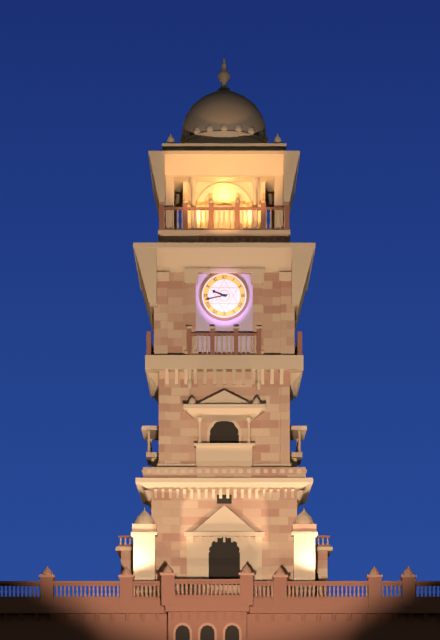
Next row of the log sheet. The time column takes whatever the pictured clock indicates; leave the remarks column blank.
9:43
